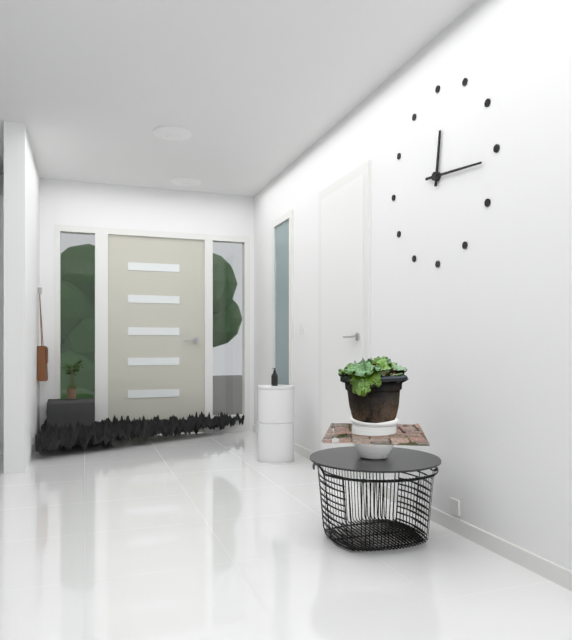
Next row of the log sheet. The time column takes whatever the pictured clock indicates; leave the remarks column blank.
12:16
